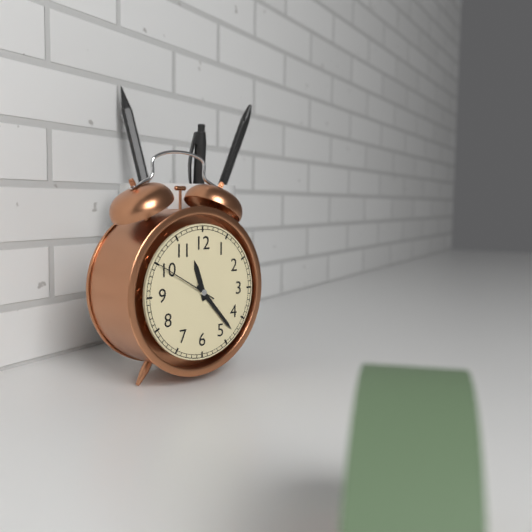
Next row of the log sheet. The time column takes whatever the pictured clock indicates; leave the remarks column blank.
11:23:50
